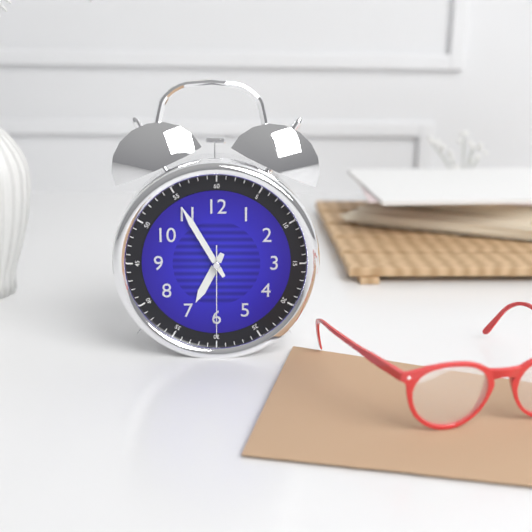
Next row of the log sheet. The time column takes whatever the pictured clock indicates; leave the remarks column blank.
6:55:30
